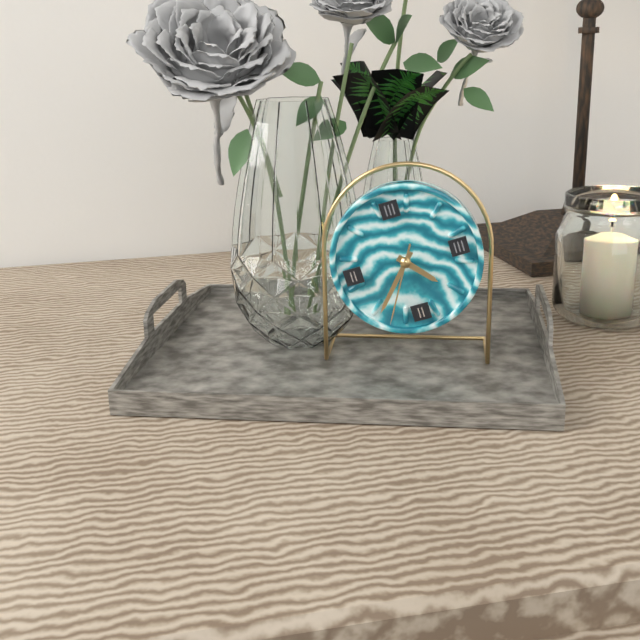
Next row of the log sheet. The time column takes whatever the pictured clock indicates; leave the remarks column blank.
4:37:35
